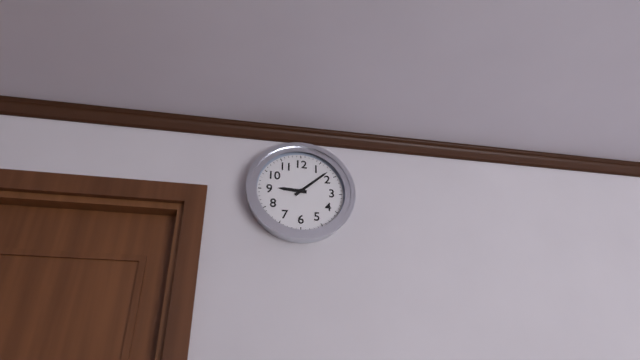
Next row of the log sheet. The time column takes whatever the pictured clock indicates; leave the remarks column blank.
9:08
